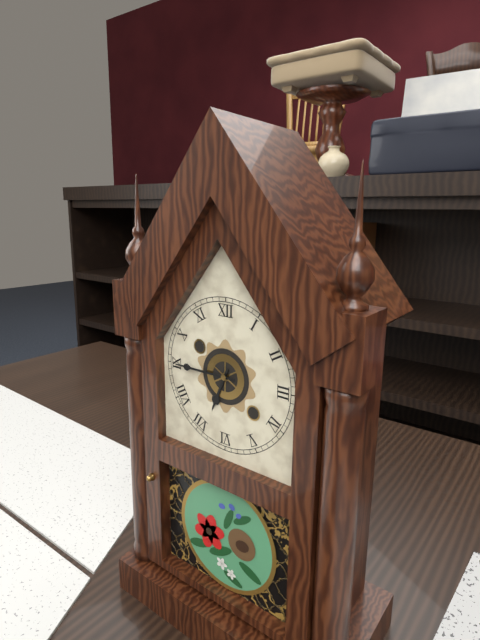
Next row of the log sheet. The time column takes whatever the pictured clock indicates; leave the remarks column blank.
6:45
